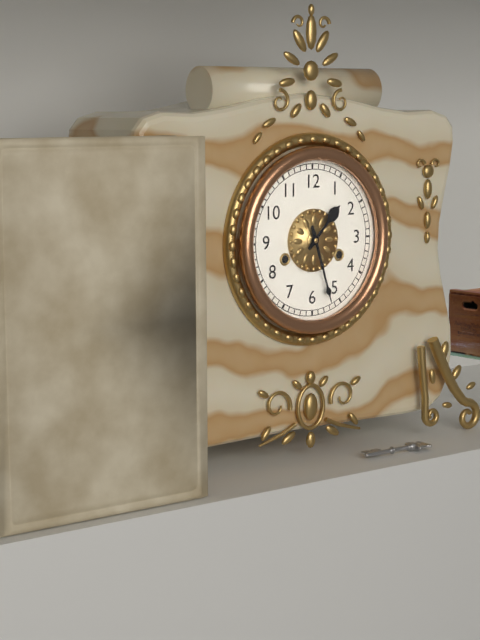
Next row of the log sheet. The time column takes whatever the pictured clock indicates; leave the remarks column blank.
1:27
